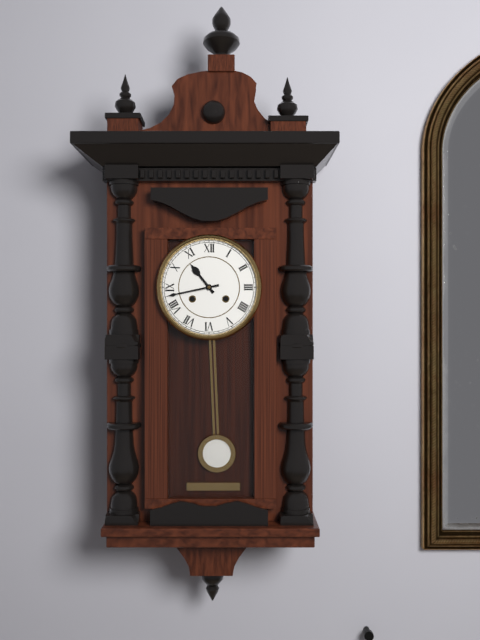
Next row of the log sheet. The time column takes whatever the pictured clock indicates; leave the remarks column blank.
10:43
